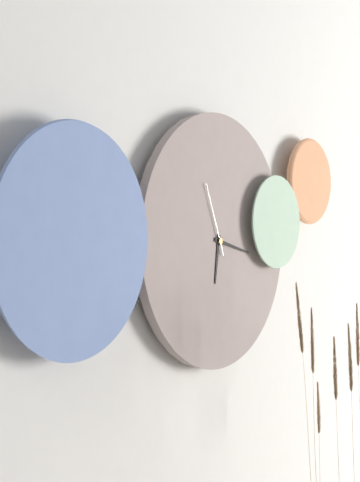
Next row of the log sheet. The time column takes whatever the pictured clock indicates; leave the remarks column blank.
6:17:56
